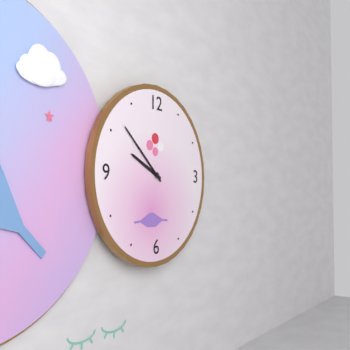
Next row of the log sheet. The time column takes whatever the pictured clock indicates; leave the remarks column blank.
9:52
